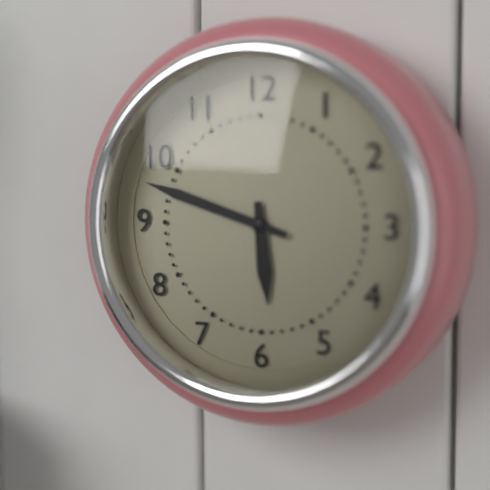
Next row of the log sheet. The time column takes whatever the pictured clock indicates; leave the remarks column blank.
5:48
